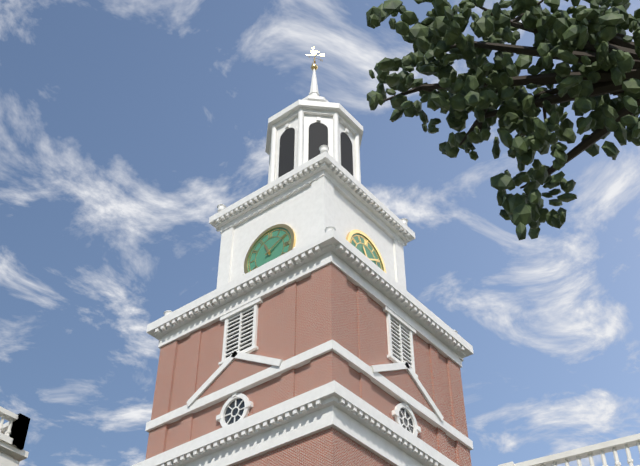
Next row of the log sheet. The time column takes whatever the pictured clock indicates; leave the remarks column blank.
11:10
